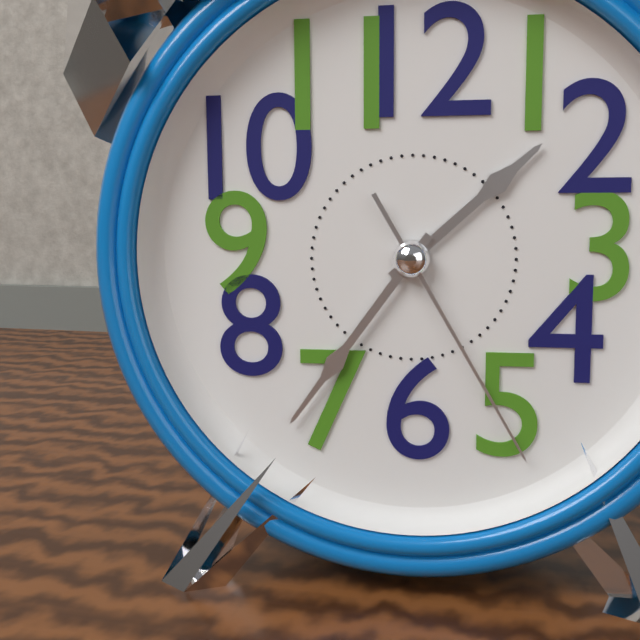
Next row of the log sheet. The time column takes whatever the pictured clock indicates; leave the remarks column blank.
1:36:25
